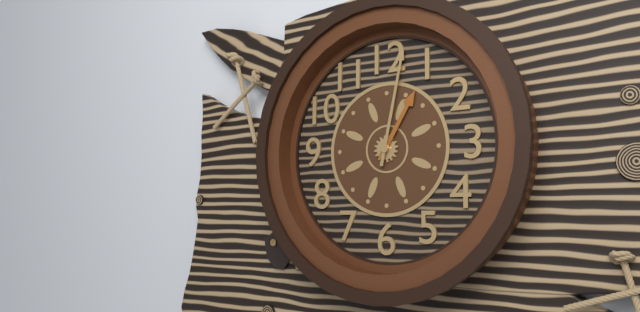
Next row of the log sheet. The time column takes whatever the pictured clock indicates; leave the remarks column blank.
1:02
